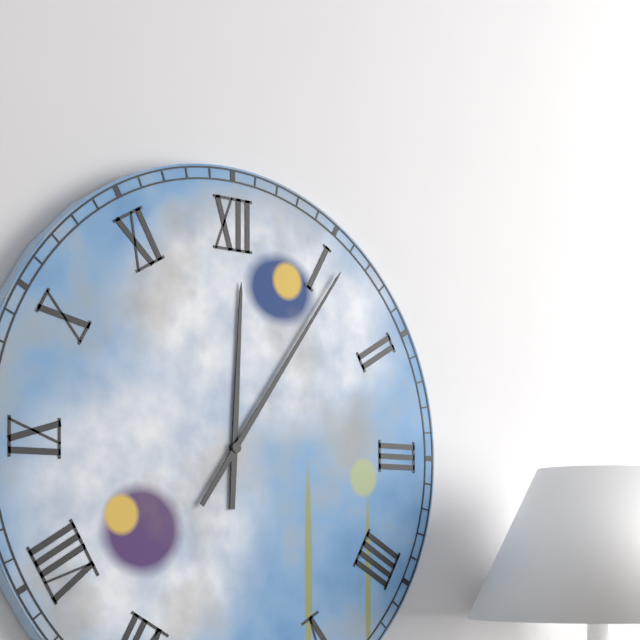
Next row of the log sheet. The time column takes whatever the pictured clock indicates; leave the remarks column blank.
12:06
